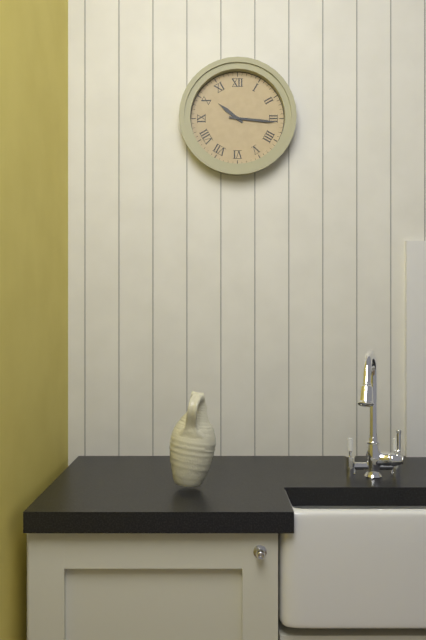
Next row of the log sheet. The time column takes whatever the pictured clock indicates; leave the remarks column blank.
10:16
